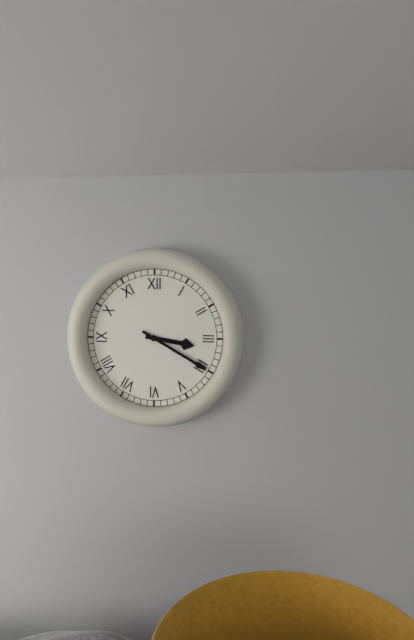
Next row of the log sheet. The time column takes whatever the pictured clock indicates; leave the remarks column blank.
3:20
